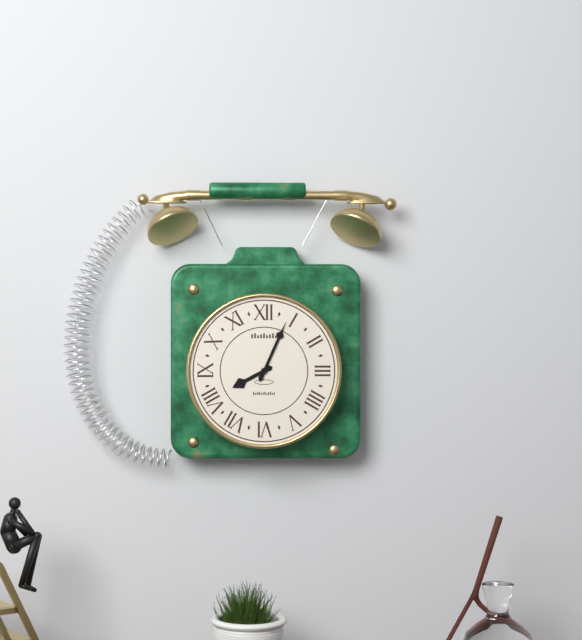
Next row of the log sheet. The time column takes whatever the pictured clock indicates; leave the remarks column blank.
8:04
